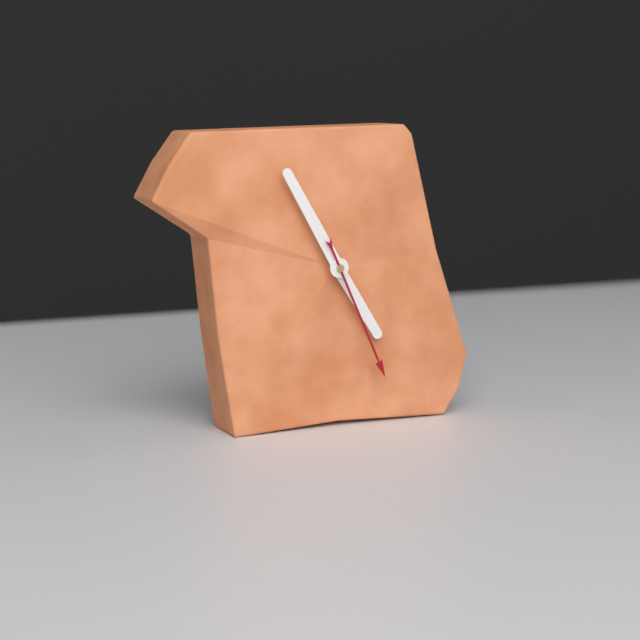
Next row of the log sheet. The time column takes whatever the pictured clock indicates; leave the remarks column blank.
4:55:26
